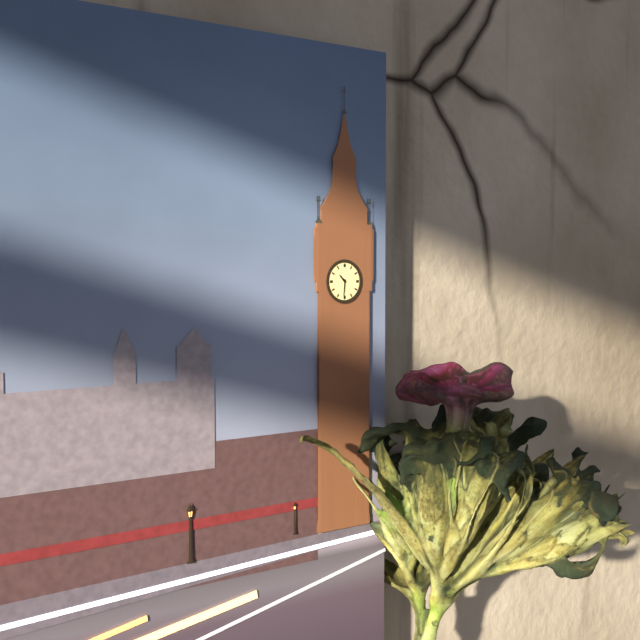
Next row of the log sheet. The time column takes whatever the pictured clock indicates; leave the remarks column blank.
10:31
